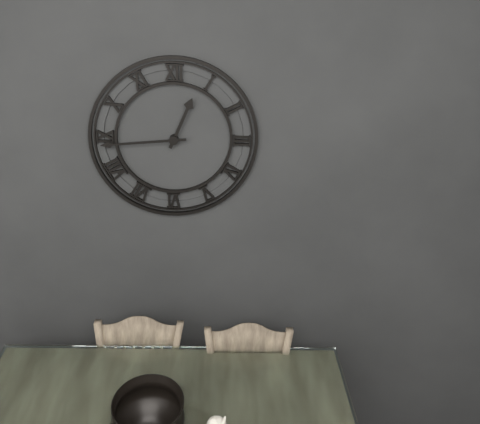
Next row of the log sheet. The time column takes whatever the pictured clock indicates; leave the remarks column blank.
12:44
